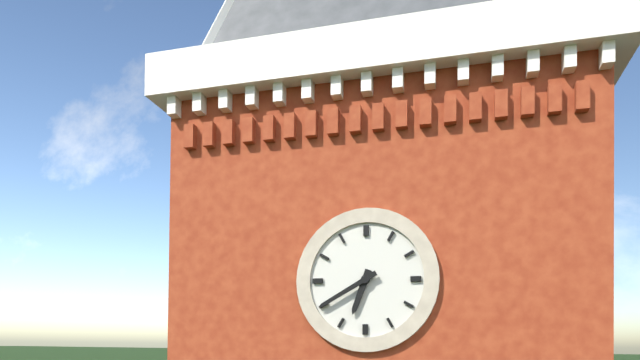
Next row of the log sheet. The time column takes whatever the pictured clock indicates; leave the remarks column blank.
6:40
